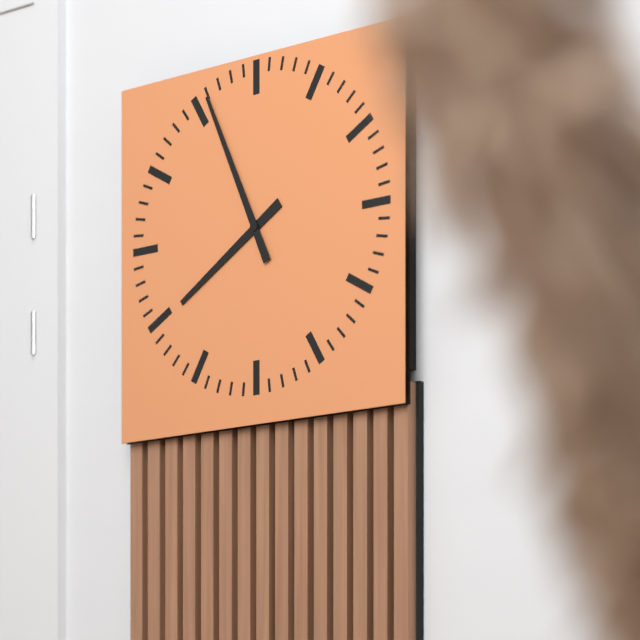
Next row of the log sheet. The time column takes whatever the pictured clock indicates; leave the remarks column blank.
7:56
